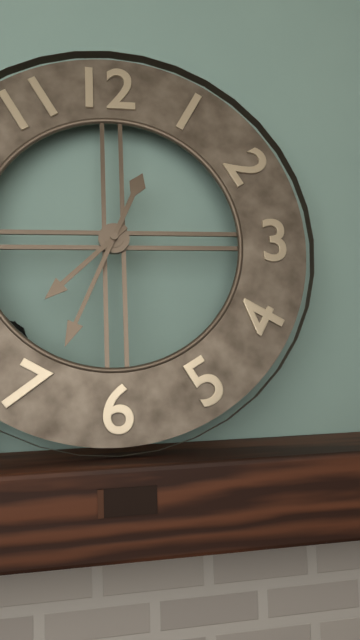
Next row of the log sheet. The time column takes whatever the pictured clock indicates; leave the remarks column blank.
7:34
